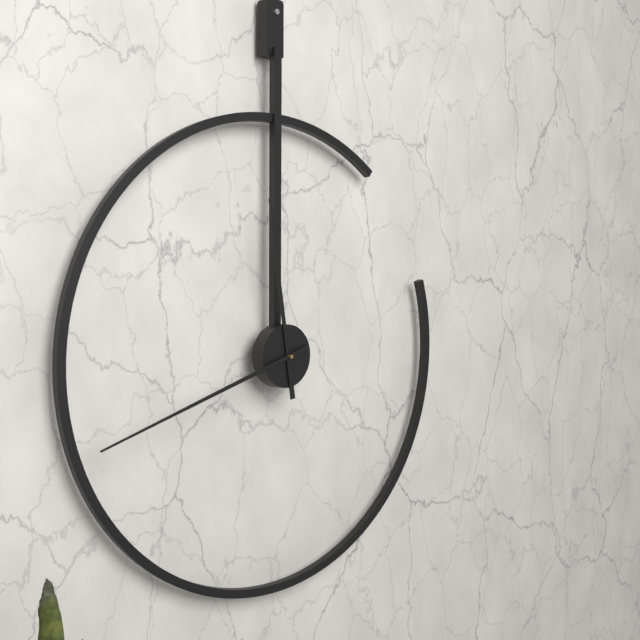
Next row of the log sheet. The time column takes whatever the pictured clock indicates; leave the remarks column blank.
11:42
